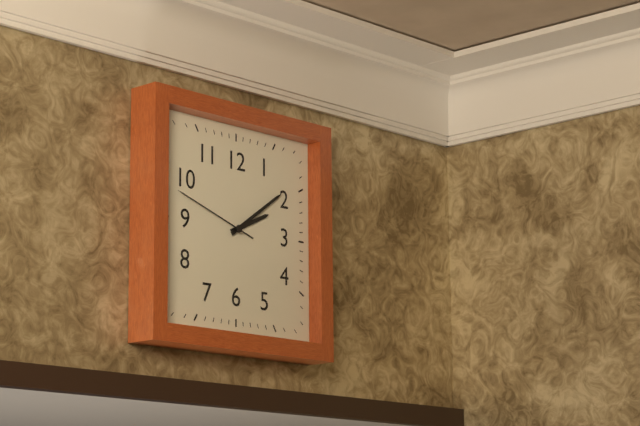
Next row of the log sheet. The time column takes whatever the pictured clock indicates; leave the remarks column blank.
2:09:48
